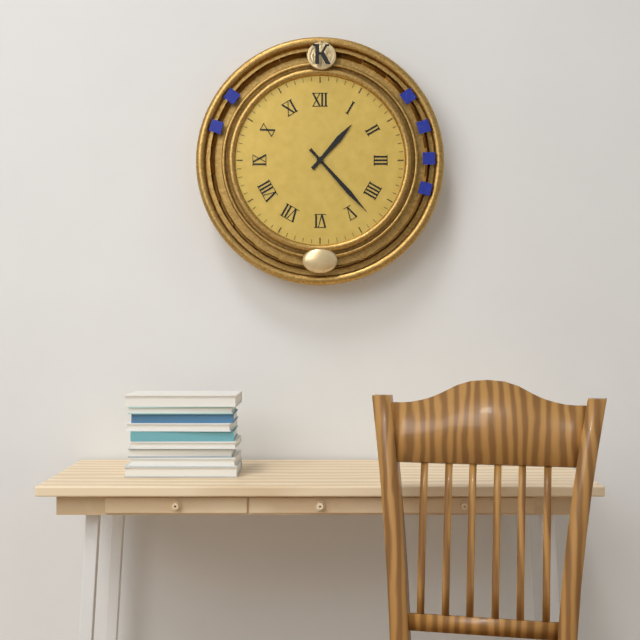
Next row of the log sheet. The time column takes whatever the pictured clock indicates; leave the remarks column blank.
1:23
